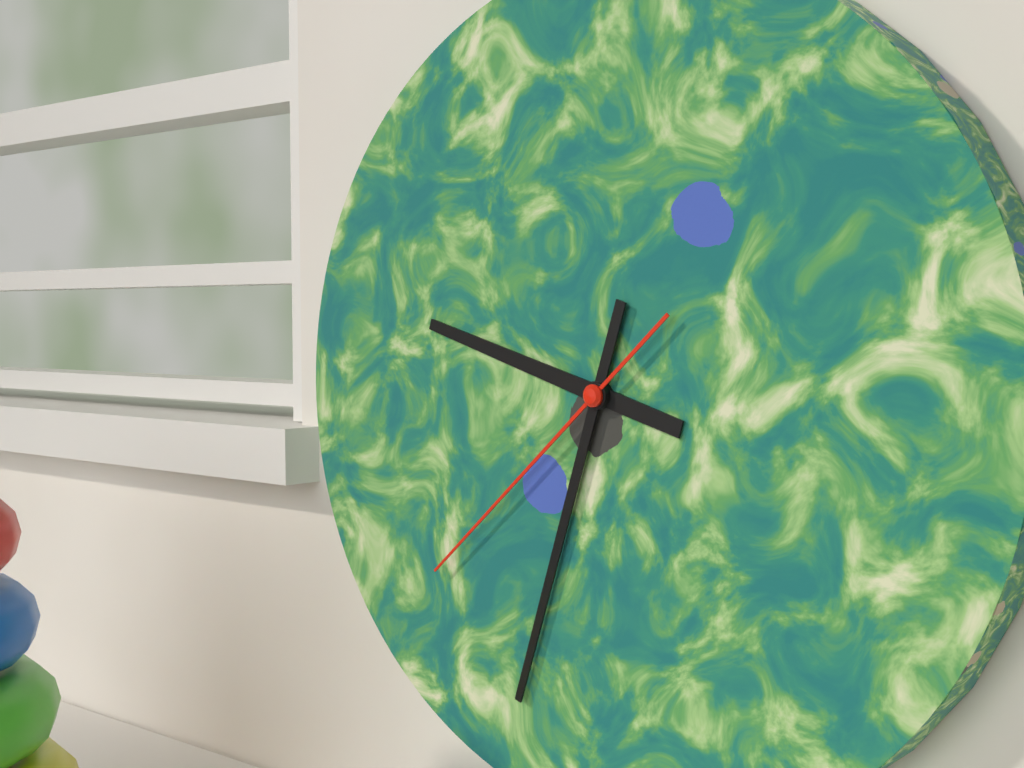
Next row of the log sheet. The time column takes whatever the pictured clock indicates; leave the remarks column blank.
9:33:38
